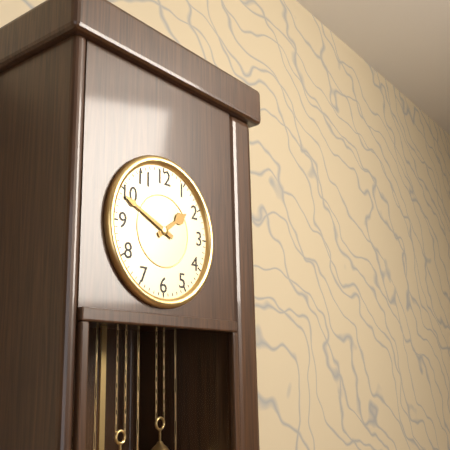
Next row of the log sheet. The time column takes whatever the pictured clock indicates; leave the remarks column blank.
1:49
